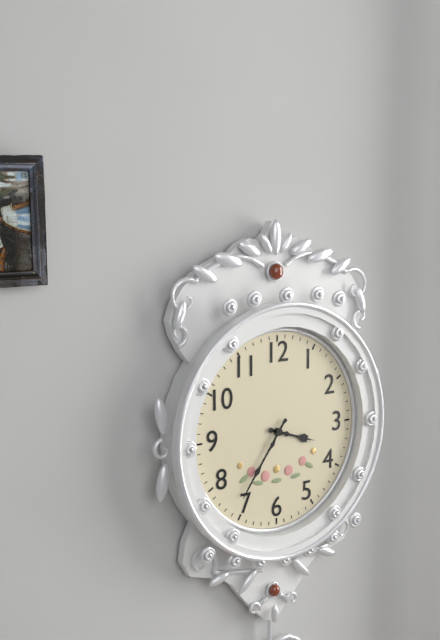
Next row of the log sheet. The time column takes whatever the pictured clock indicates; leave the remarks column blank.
3:36
